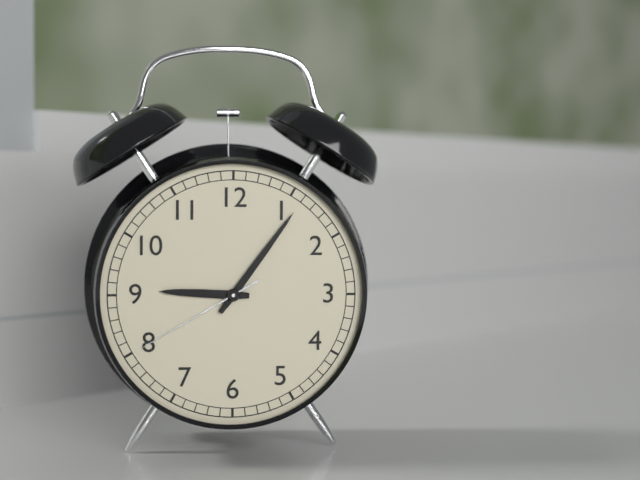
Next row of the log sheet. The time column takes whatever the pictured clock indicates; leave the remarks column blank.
9:06:40
